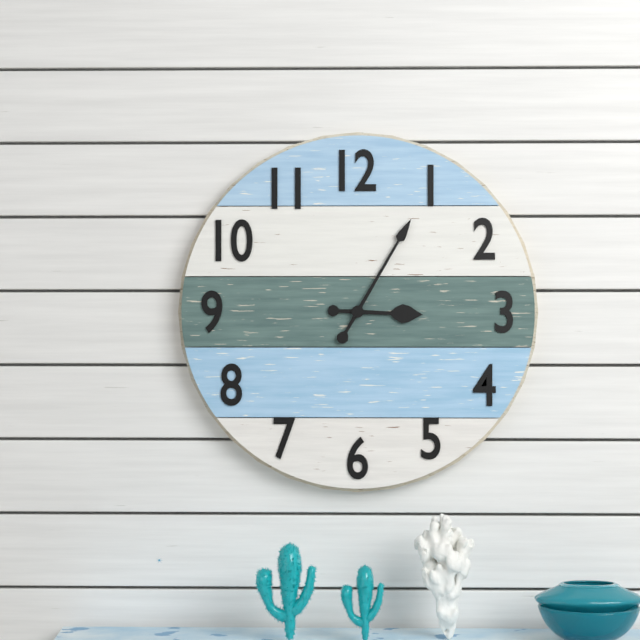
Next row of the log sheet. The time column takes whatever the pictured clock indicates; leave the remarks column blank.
3:05
